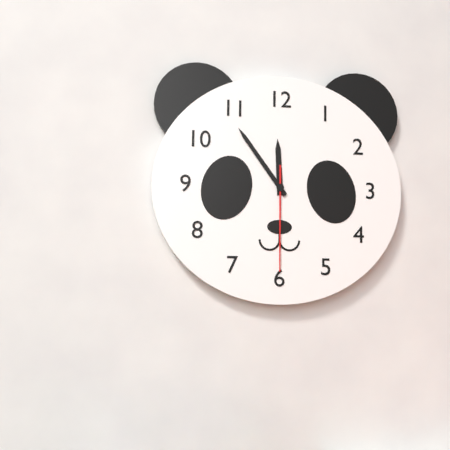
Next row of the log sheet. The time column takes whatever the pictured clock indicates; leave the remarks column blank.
11:54:30
